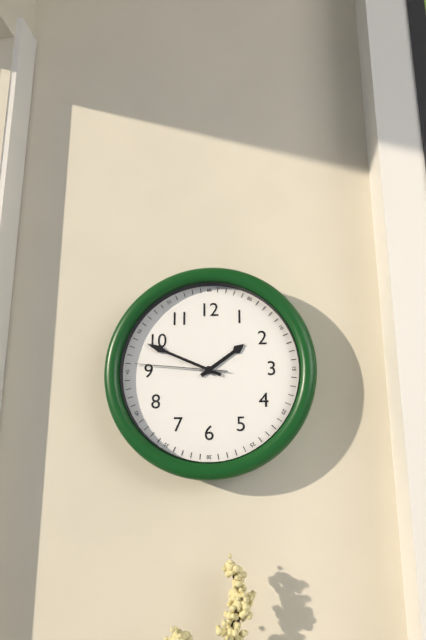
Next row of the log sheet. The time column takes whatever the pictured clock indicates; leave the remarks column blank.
1:49:46
